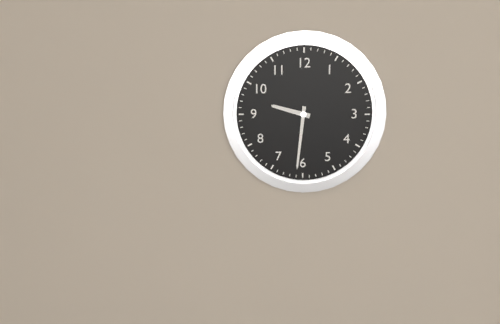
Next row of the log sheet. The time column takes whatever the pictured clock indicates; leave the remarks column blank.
9:31
